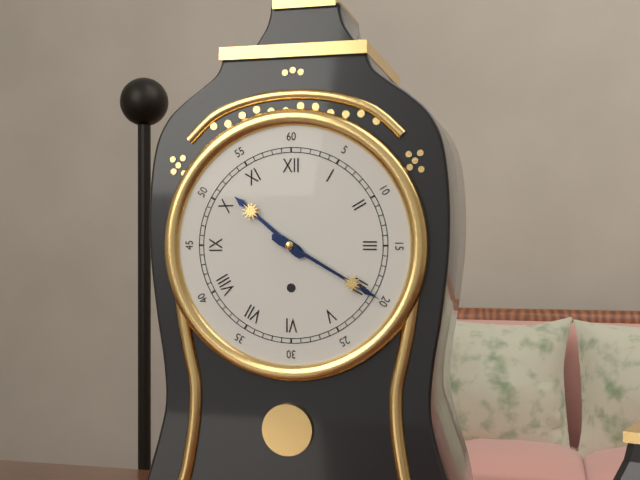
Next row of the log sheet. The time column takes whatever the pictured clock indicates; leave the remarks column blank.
10:20
